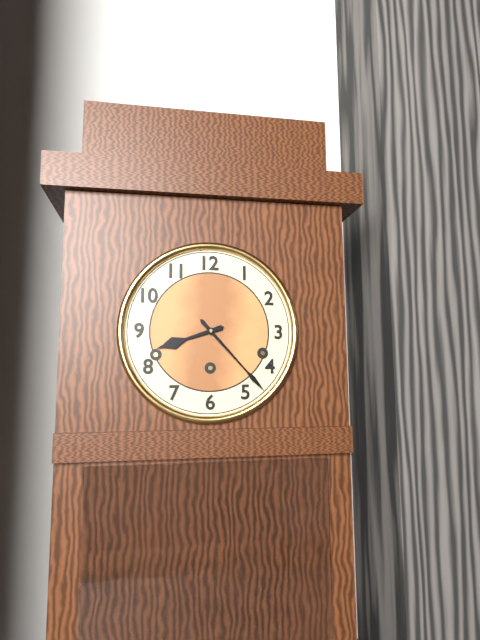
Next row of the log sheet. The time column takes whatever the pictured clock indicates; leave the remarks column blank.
8:23
